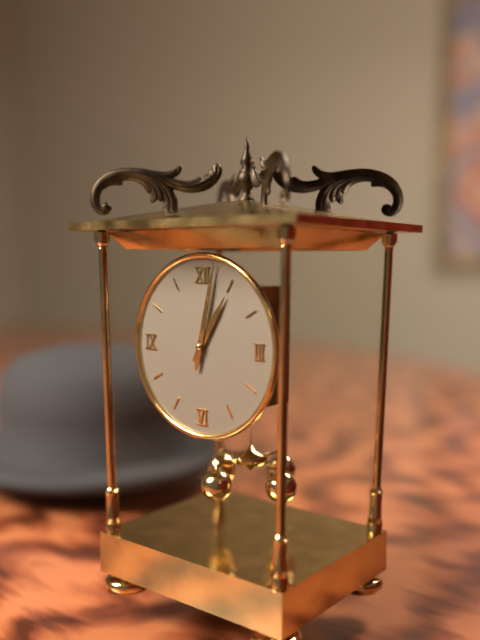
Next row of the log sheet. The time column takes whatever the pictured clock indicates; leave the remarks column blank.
1:02
